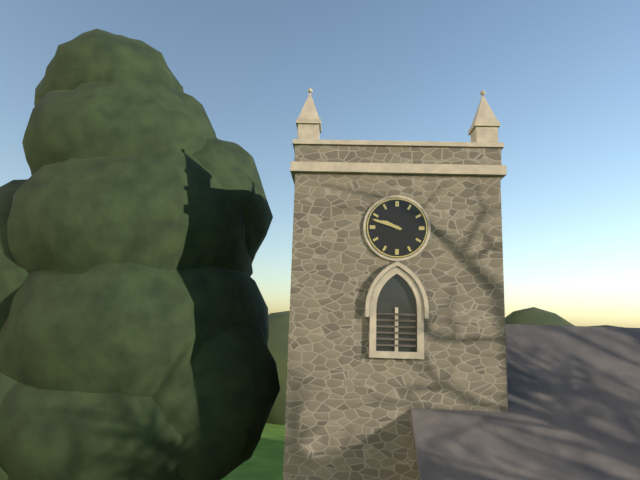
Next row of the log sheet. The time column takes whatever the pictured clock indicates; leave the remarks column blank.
9:48
